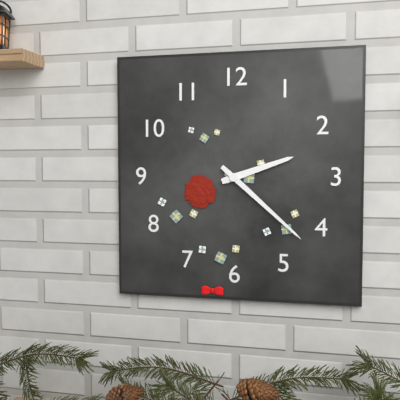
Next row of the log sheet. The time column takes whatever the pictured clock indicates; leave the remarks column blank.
2:22
